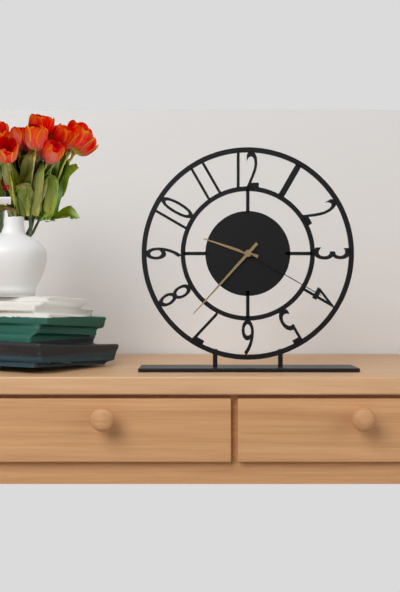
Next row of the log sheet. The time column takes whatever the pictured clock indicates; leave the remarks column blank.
9:37:20
